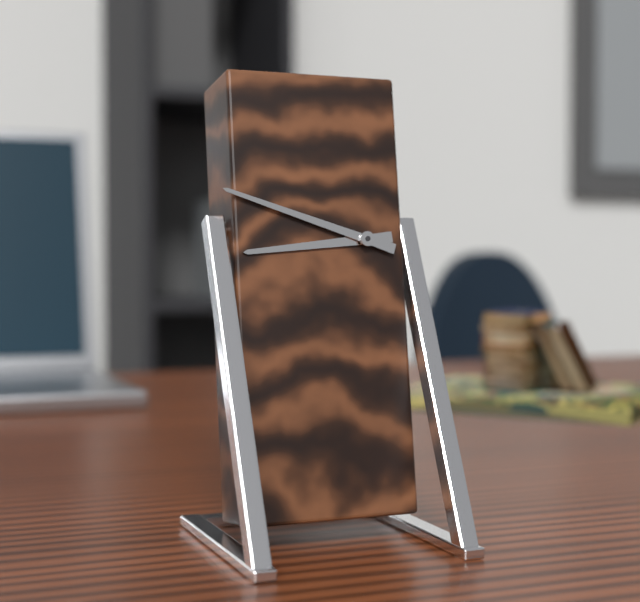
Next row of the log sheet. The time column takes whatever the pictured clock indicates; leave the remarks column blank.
8:48
